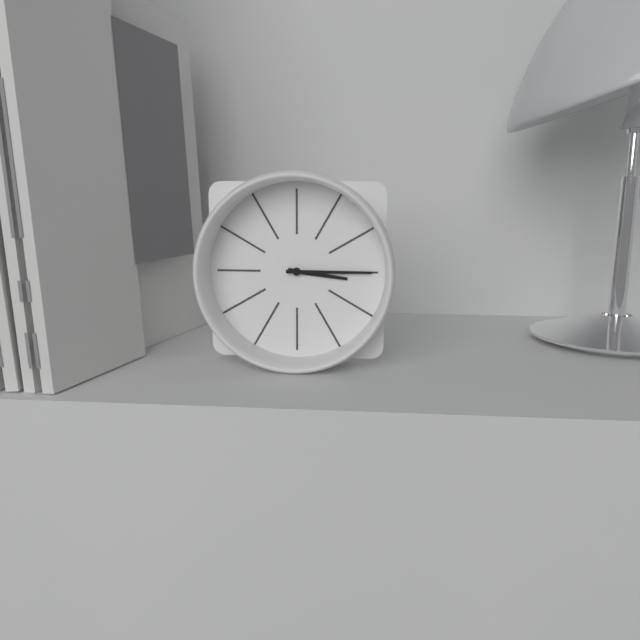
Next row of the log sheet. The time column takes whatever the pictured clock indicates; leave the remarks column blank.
3:15
